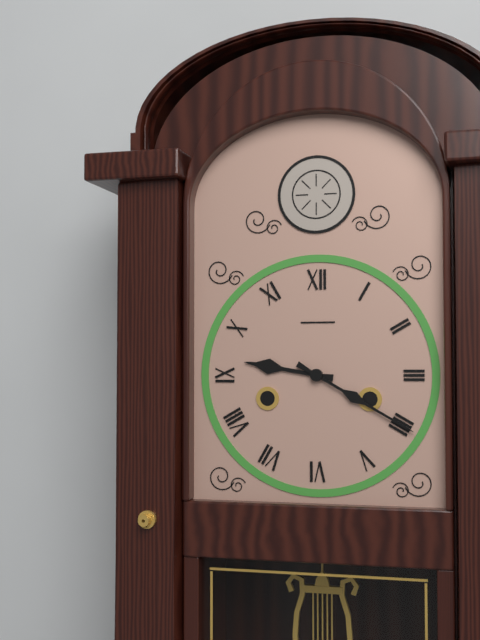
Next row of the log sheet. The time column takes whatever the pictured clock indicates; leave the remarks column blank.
9:20
